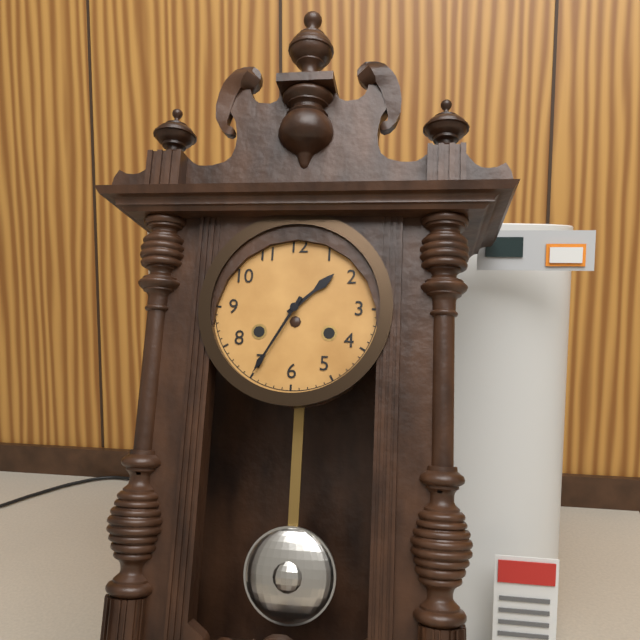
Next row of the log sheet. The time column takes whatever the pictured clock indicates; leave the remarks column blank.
1:35
